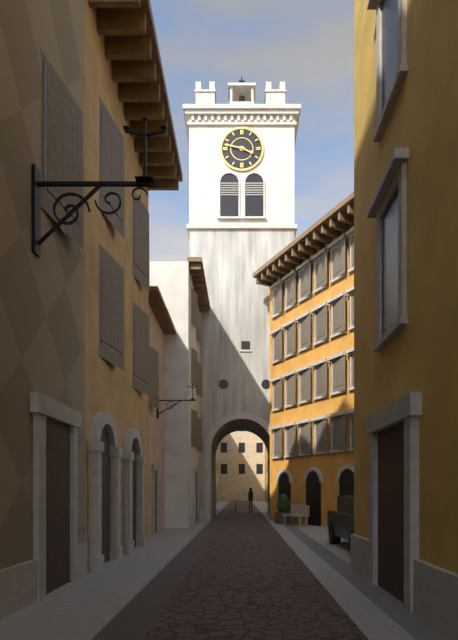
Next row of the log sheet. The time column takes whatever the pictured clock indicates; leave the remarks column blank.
3:47
